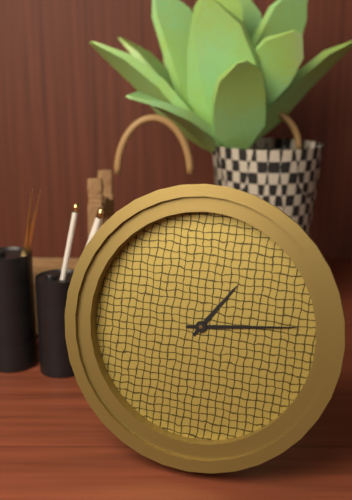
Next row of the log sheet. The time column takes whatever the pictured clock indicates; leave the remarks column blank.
1:14
